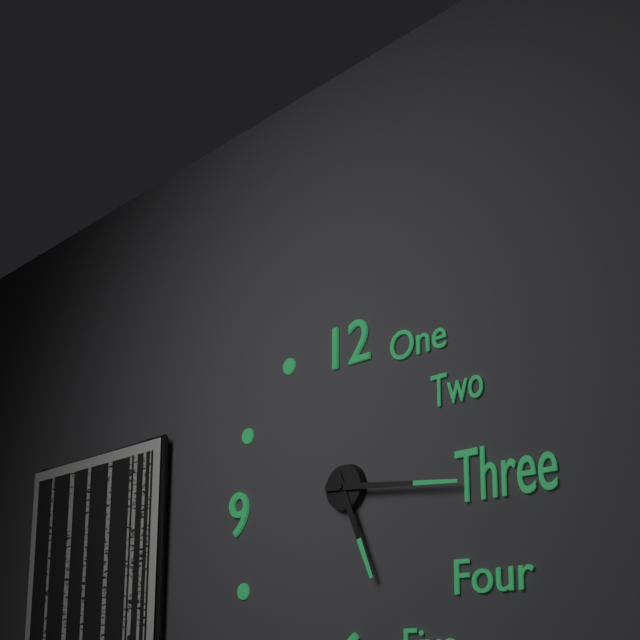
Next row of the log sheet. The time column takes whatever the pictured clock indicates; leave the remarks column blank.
5:16
